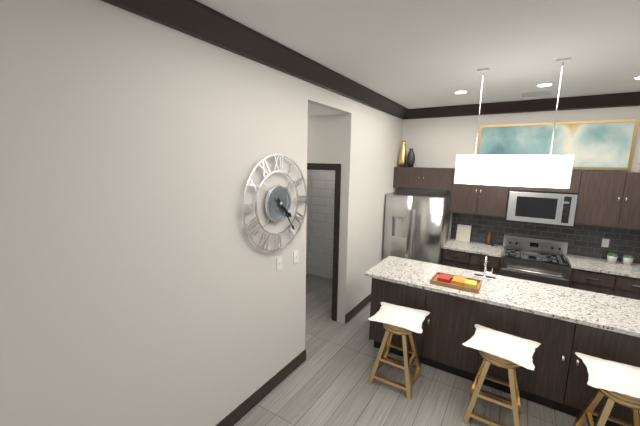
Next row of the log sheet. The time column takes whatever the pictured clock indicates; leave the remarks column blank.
4:24
